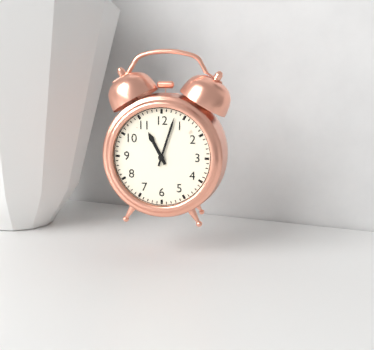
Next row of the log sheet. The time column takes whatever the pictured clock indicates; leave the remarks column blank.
11:03
